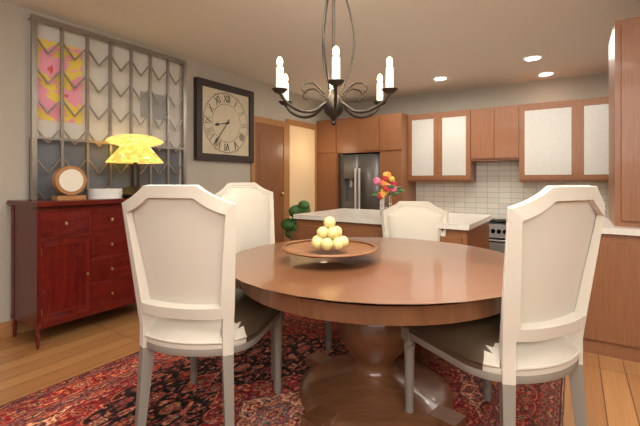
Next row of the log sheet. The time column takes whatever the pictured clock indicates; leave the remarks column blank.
8:36
